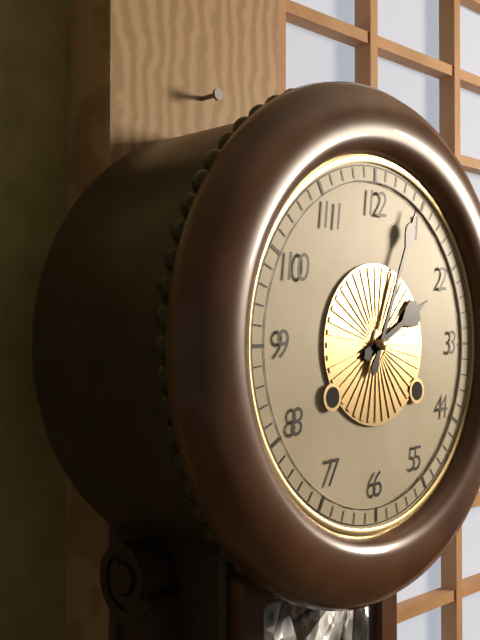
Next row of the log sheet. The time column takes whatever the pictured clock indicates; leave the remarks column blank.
2:04
